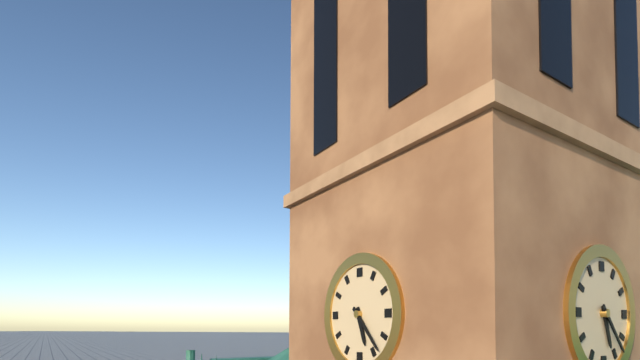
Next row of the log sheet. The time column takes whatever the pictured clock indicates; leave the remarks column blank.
5:23
